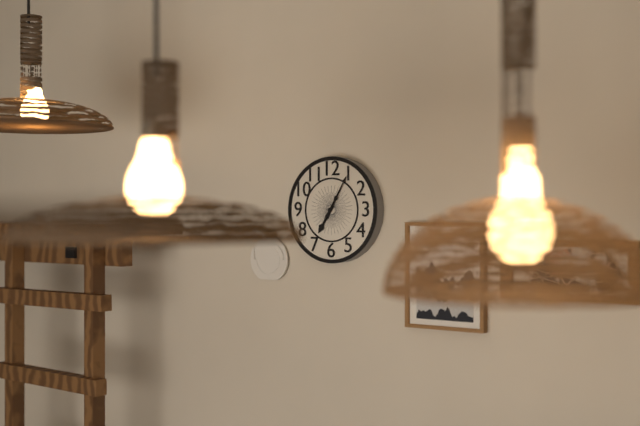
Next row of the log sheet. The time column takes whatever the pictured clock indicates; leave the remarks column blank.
7:05
